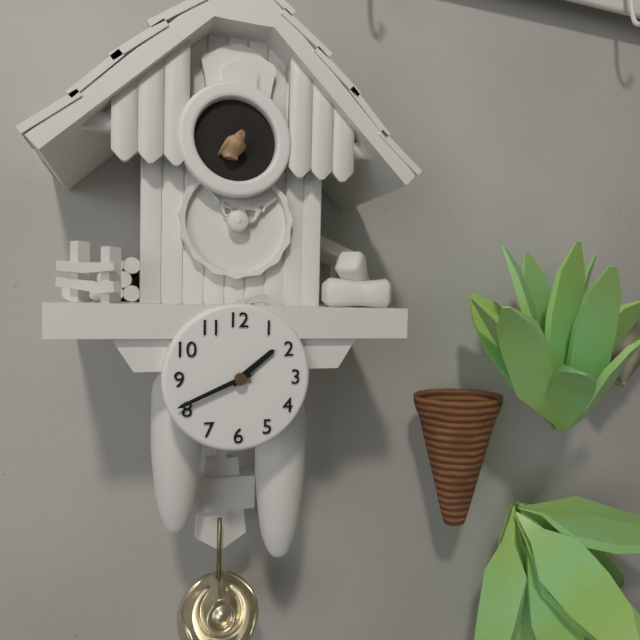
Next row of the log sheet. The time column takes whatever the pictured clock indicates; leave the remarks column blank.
1:41
